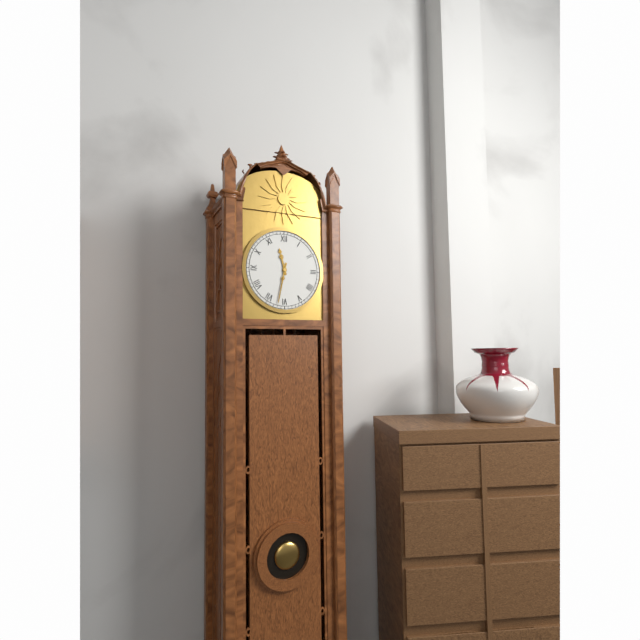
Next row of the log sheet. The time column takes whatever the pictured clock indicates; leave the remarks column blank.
11:32
